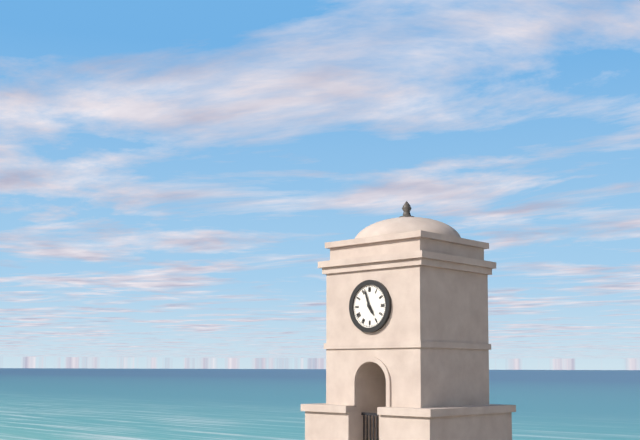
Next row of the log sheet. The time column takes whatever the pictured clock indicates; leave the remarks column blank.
4:57
